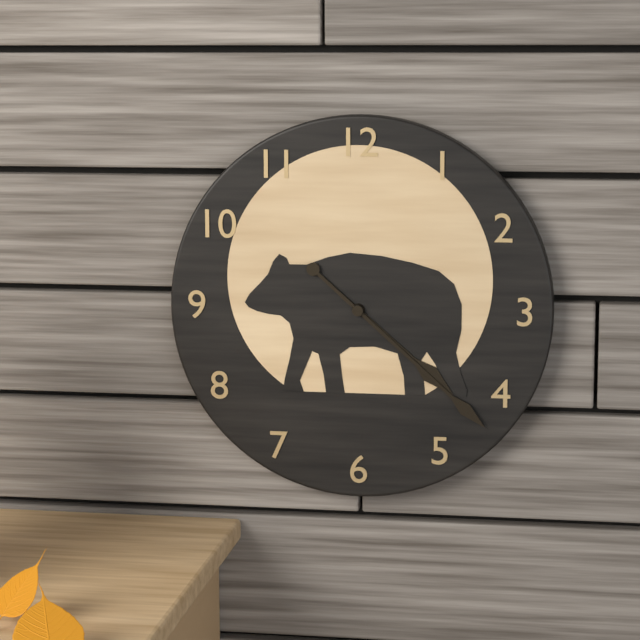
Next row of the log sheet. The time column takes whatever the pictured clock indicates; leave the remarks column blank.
4:22
